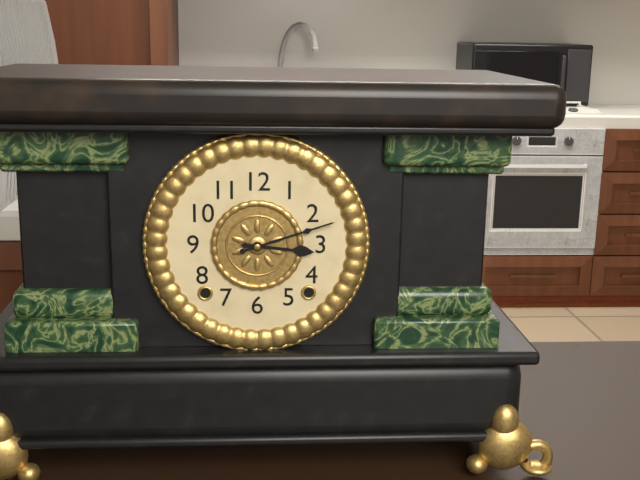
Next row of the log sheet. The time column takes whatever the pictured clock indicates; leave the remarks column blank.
3:12
